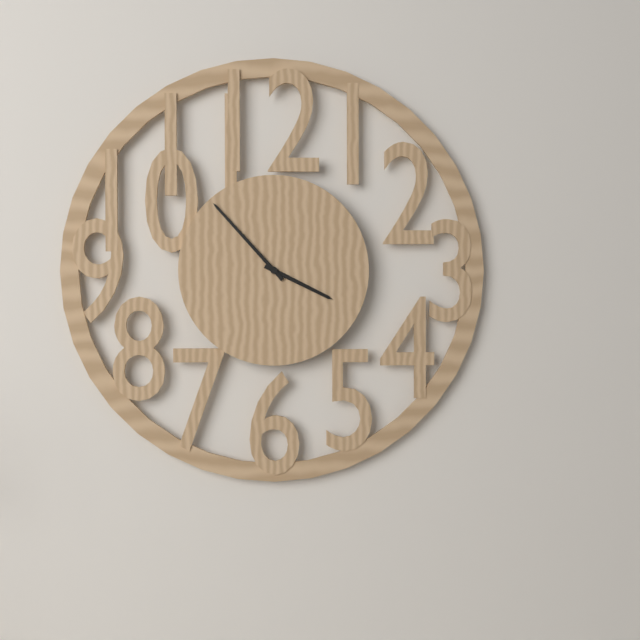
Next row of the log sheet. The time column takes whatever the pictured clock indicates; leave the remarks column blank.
3:53
